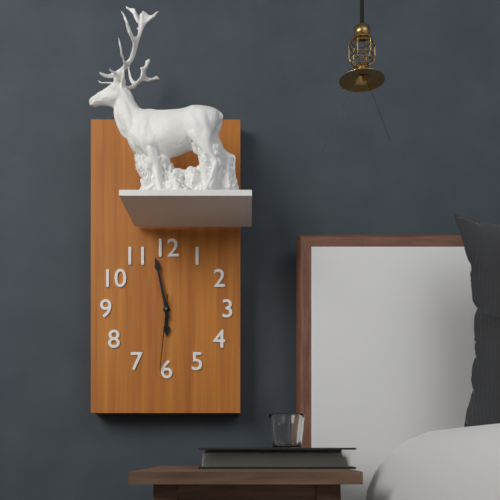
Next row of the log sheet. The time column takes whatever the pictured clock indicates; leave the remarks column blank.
5:58:31
